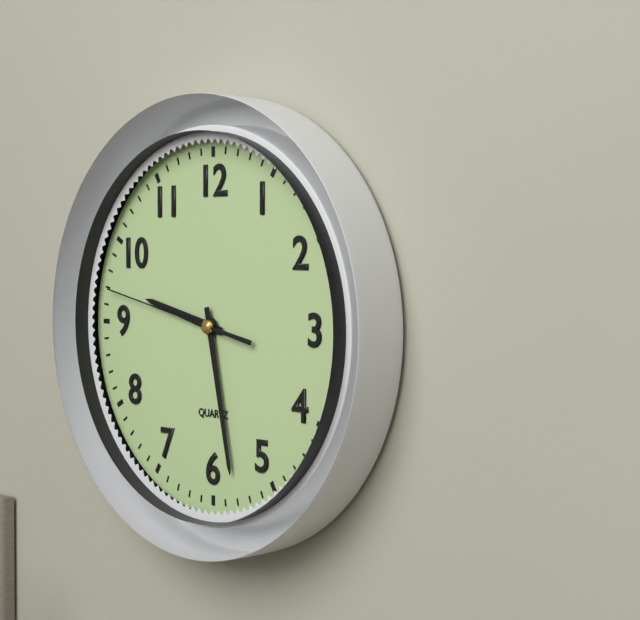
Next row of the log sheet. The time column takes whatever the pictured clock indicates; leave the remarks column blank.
9:28:47
